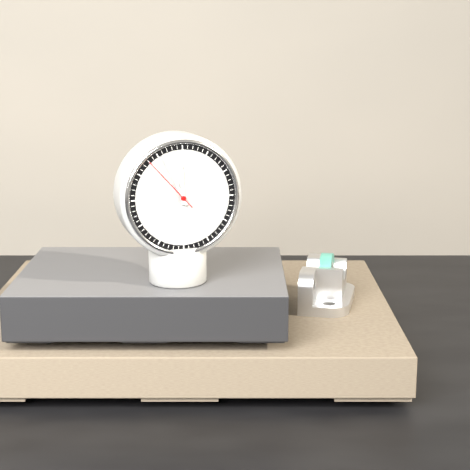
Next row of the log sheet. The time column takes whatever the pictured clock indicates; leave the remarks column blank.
11:56:53
